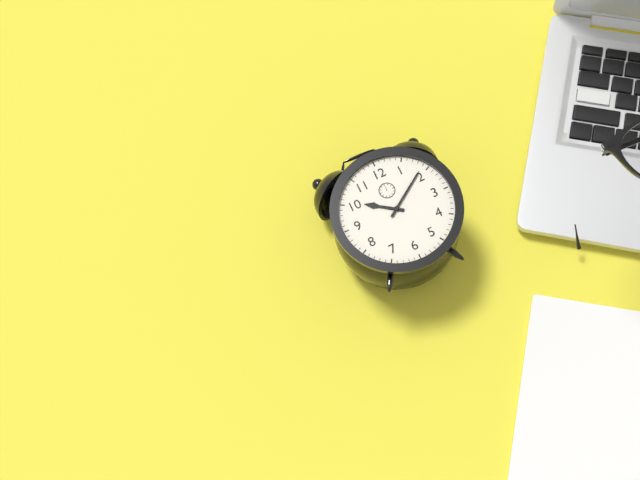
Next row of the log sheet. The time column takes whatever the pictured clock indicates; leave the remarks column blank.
10:09
